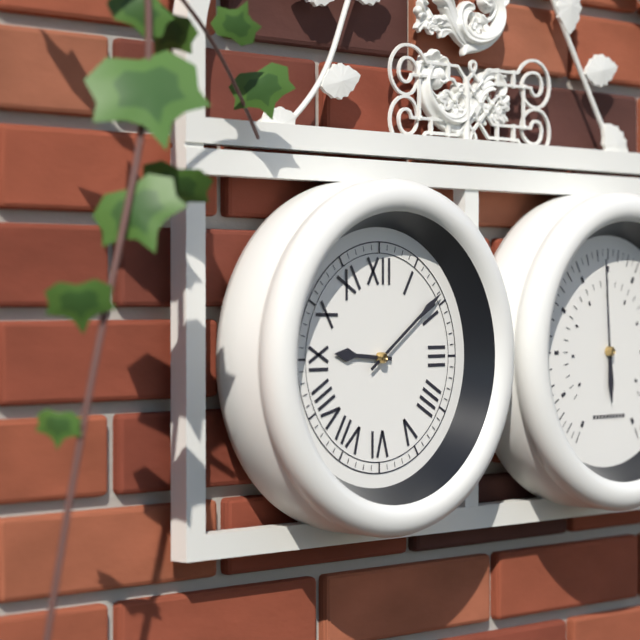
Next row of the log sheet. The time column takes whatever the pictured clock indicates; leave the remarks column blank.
9:09
